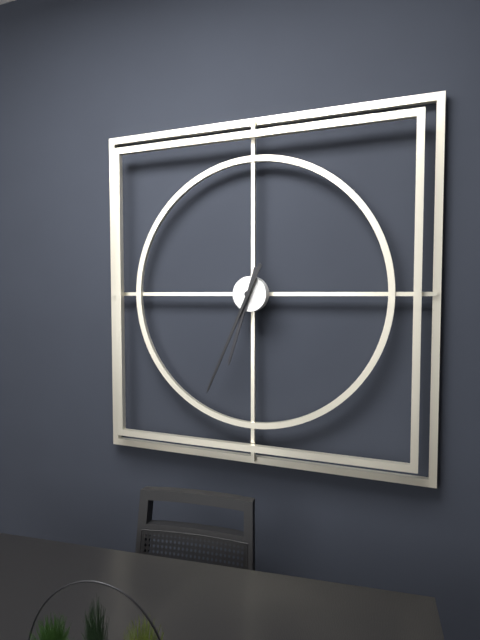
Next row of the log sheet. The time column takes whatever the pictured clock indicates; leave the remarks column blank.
6:34
